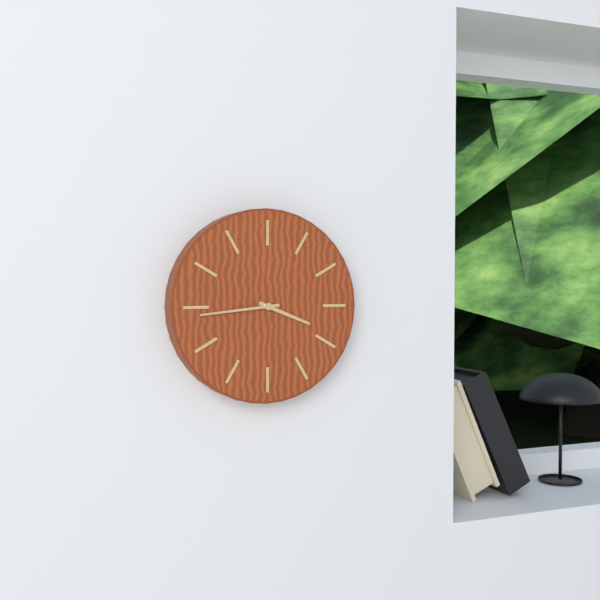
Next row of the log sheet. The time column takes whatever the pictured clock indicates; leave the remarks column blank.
3:44
